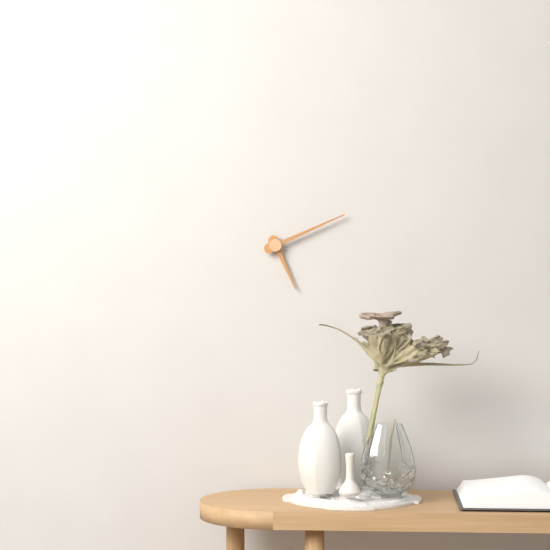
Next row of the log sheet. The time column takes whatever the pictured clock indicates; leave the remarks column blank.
5:11
